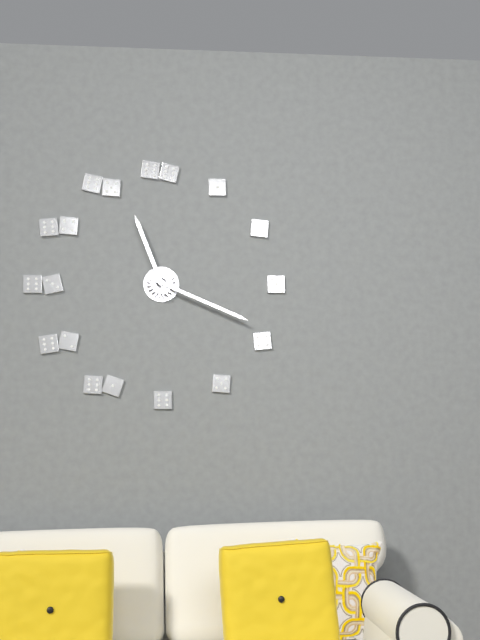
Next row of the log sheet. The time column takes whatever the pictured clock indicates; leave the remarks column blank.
11:19
